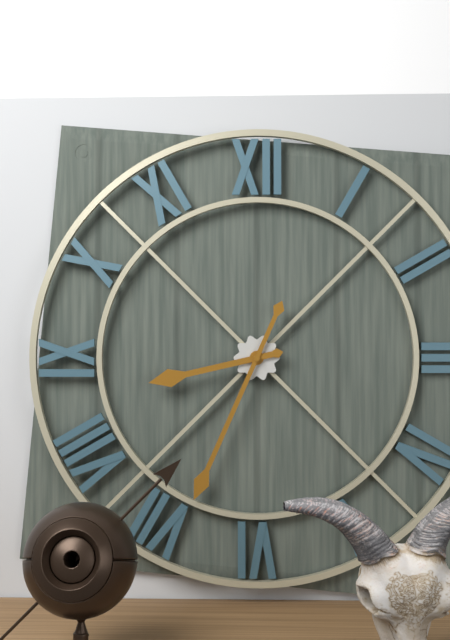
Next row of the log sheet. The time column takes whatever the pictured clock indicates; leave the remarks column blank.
8:34
